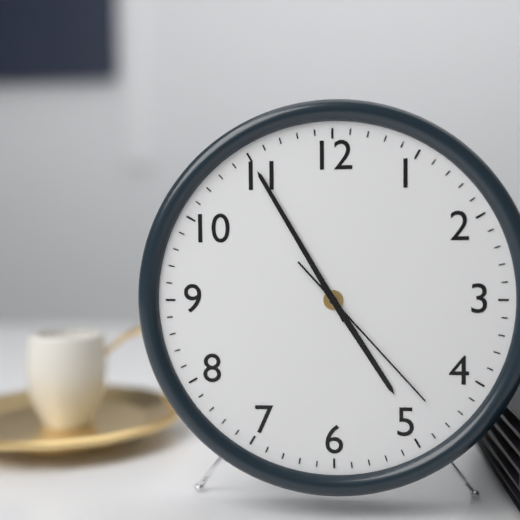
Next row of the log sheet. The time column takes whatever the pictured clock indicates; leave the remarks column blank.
4:55:23
